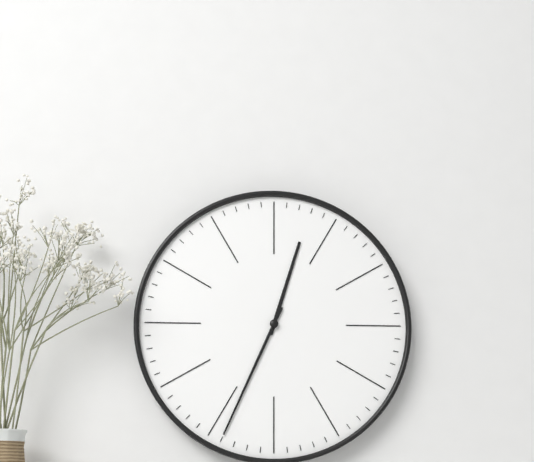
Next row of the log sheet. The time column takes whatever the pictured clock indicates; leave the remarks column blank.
12:34
